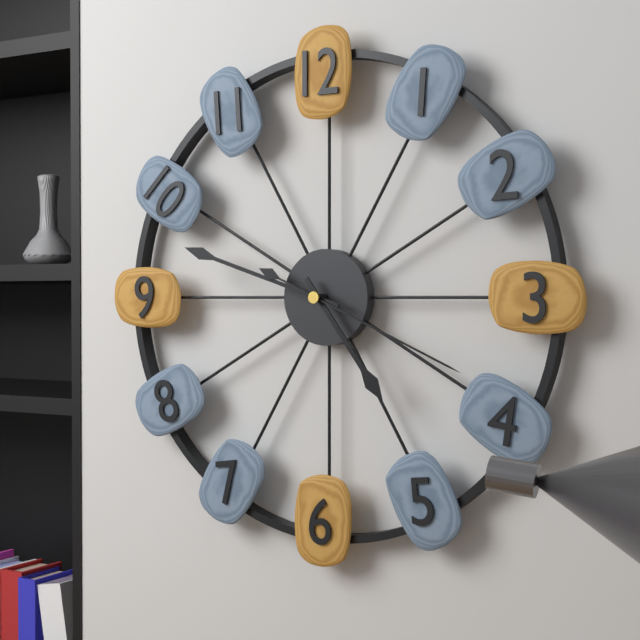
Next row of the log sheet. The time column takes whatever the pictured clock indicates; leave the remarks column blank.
4:48:19
